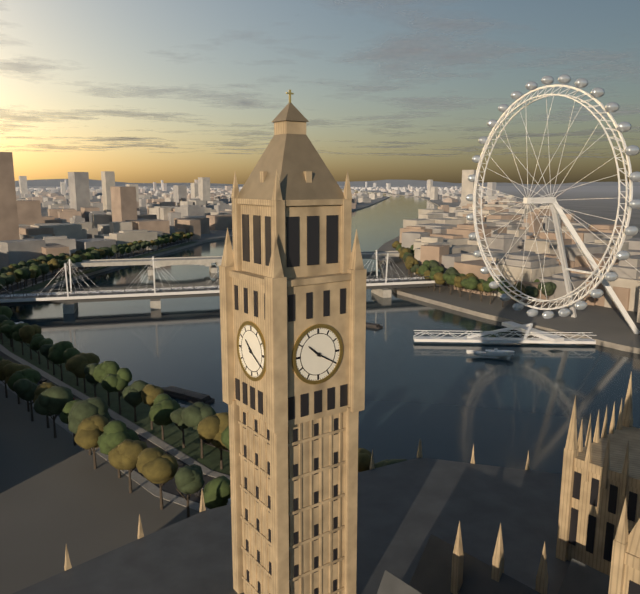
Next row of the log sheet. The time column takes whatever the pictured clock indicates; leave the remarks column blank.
10:20
